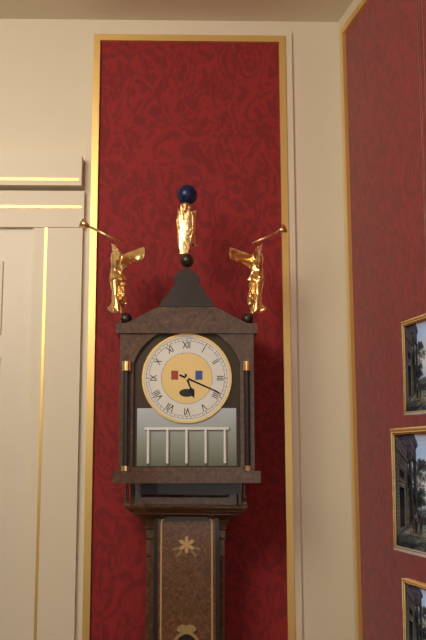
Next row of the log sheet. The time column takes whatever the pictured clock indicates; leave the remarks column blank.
5:19
